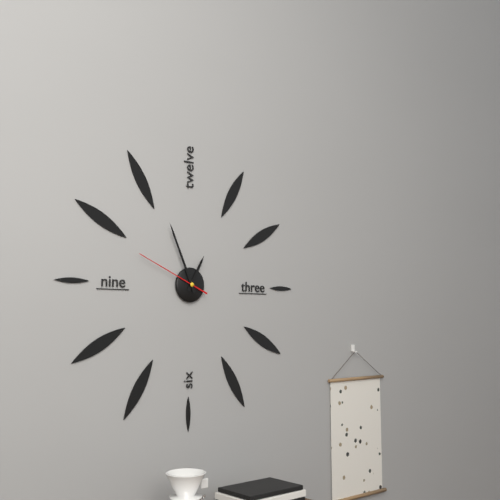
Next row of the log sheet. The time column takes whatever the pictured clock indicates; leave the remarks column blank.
12:56:49
